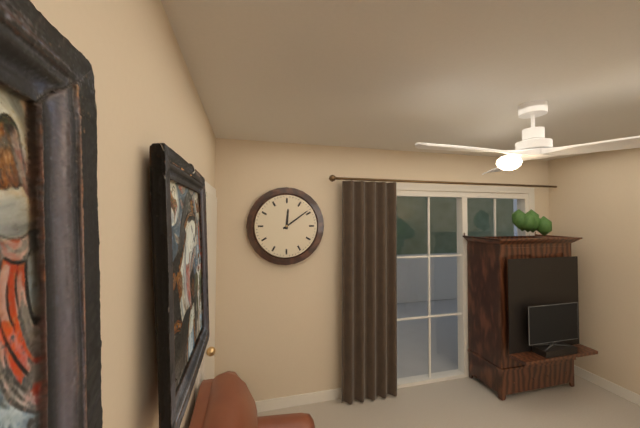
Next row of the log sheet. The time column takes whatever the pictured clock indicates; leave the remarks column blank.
12:09
